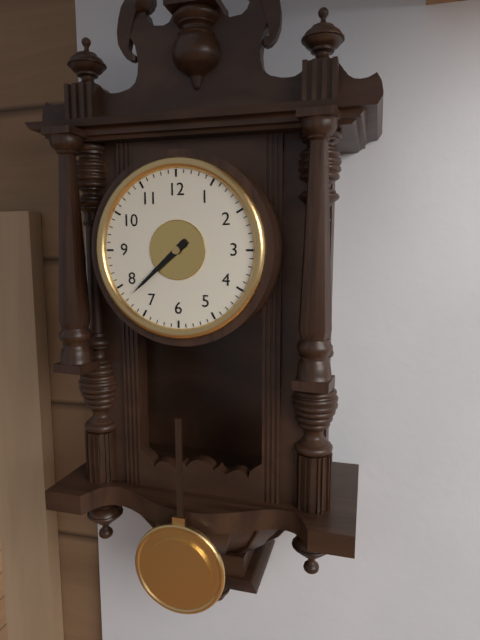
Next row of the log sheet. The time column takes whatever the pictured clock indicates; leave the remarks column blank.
7:38
